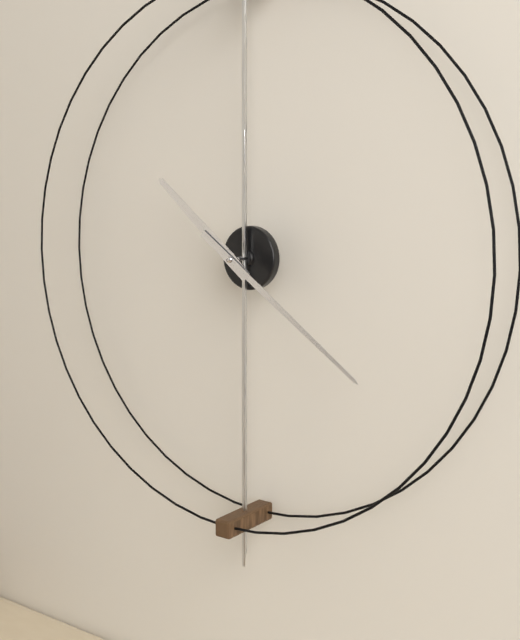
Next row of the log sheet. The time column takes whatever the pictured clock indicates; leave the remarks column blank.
10:21
